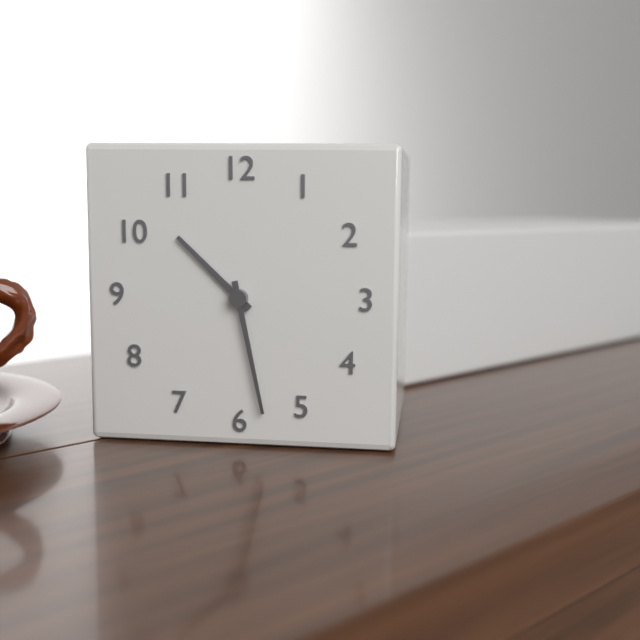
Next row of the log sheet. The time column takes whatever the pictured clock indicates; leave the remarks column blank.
10:28
